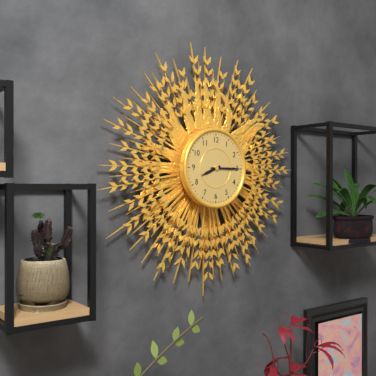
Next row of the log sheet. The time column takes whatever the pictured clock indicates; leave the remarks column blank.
8:15
